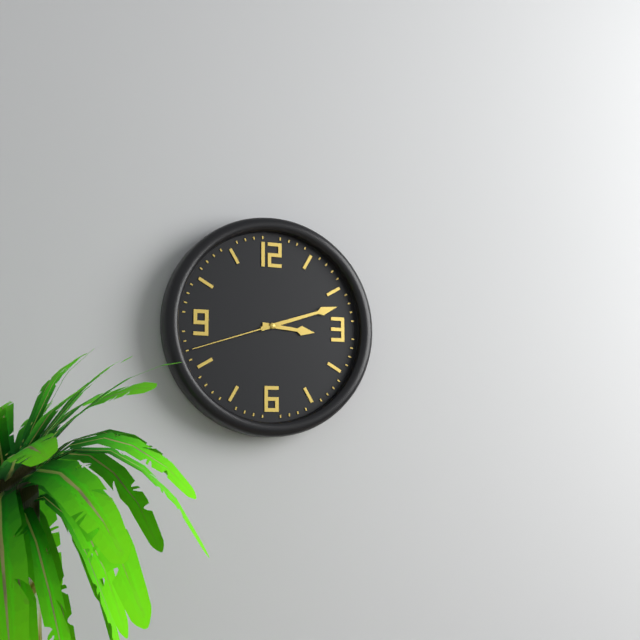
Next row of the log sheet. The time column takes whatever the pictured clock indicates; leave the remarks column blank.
3:12:42
